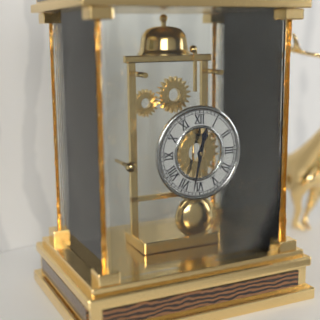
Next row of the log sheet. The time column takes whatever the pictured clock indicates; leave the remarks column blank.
12:32
